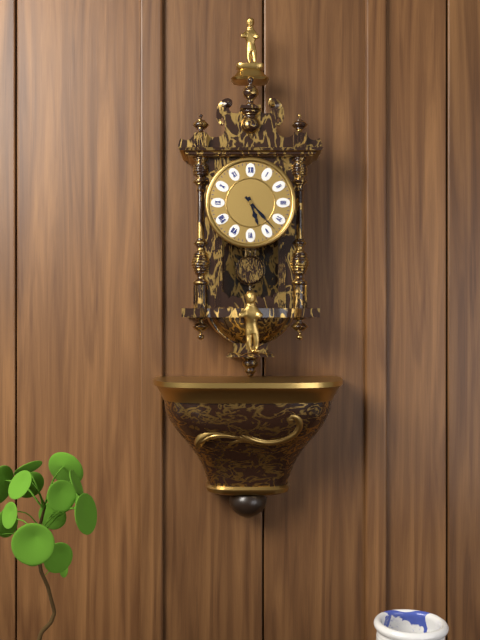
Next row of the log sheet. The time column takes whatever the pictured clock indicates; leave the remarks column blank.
5:23
